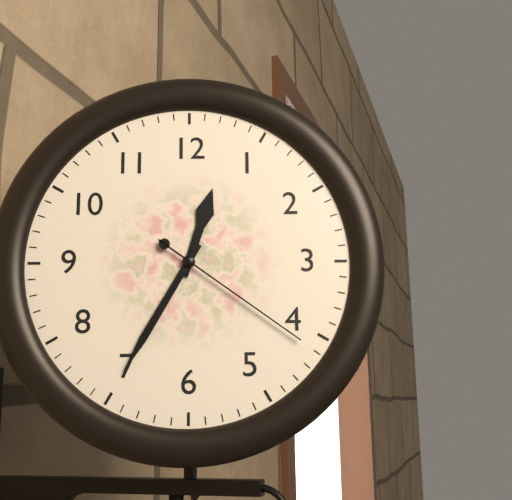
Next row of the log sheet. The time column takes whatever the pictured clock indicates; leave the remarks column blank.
12:35:21
